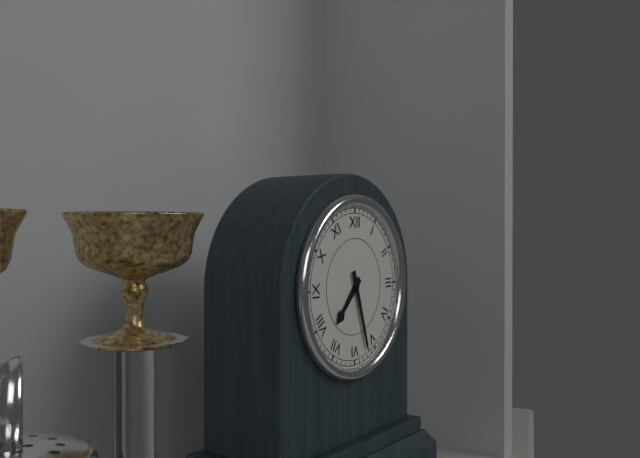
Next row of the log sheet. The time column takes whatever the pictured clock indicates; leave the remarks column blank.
7:27
